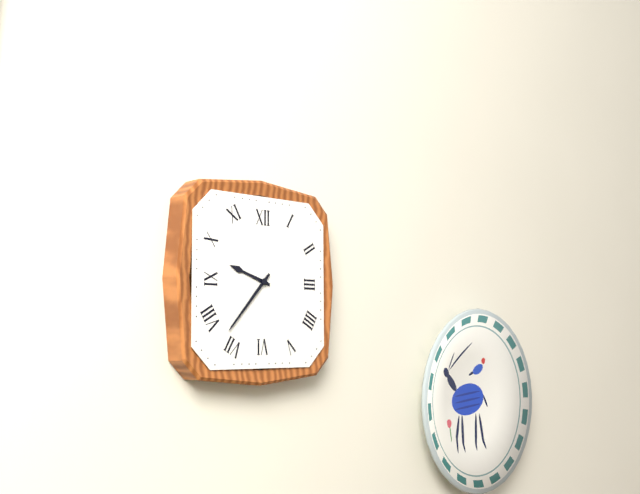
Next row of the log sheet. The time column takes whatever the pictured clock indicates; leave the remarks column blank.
9:37
